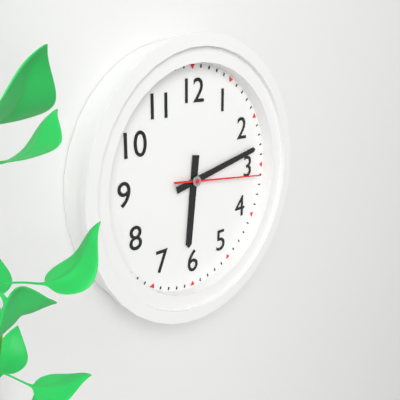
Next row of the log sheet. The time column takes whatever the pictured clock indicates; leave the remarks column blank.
6:13:16
